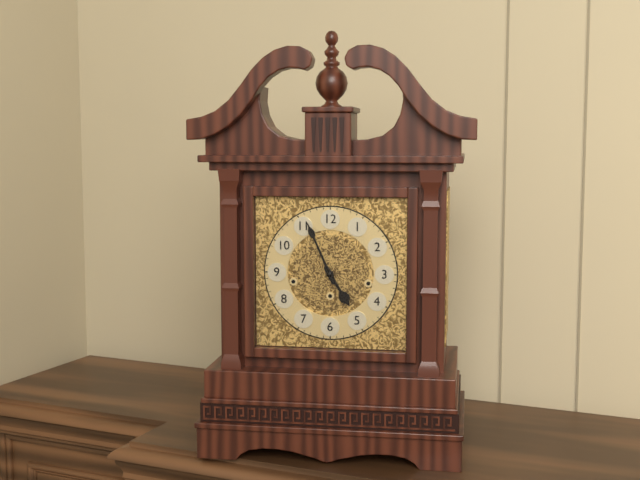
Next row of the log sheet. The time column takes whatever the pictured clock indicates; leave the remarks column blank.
4:56
